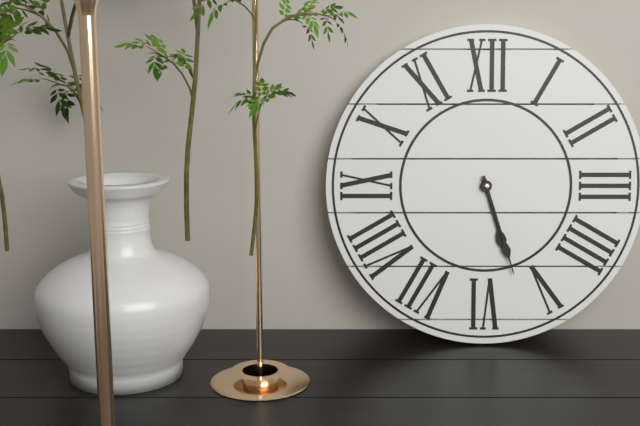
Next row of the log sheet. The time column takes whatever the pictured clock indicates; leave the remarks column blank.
5:27
